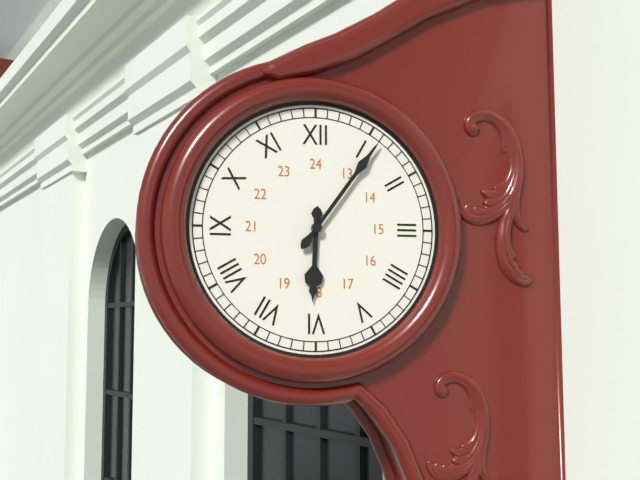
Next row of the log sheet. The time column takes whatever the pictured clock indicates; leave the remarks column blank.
6:06
